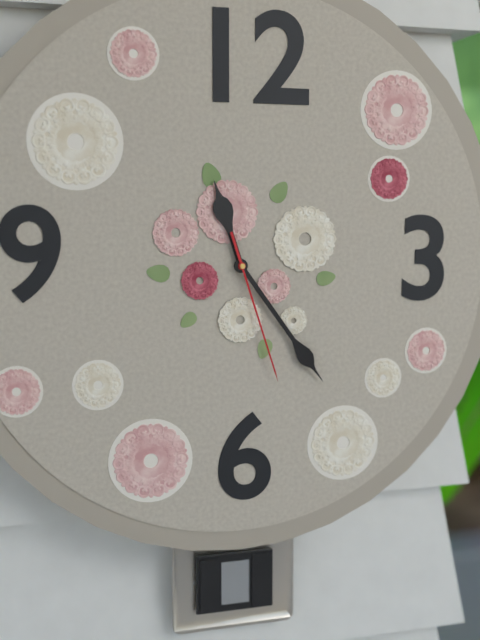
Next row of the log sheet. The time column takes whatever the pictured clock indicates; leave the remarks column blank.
11:24:27
